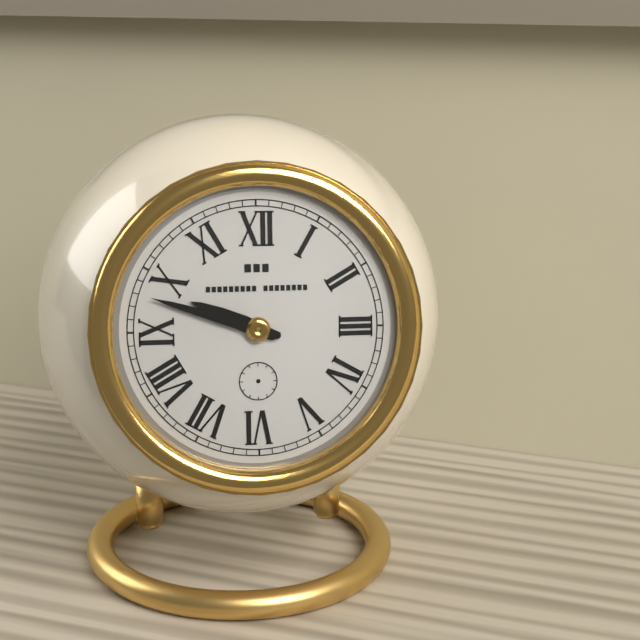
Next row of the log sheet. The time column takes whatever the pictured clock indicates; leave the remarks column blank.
9:48
